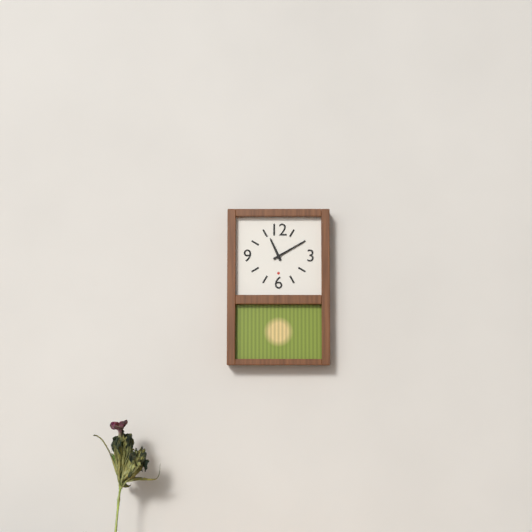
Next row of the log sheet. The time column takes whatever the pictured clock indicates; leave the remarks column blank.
11:10
